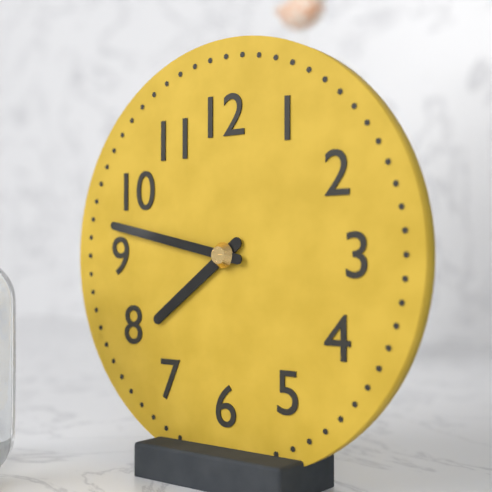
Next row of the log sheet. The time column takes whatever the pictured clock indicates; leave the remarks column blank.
7:47
